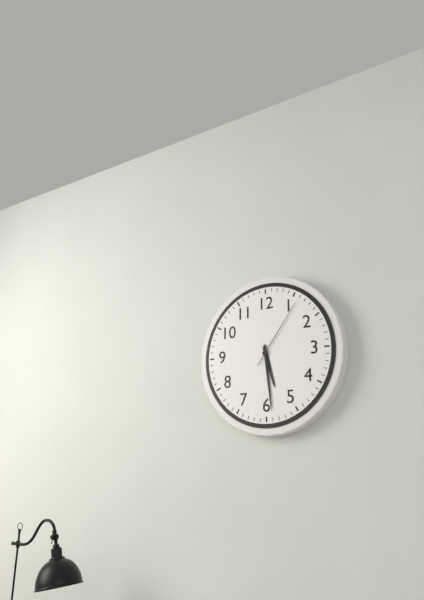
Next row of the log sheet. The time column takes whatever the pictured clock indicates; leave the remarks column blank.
5:29:06
